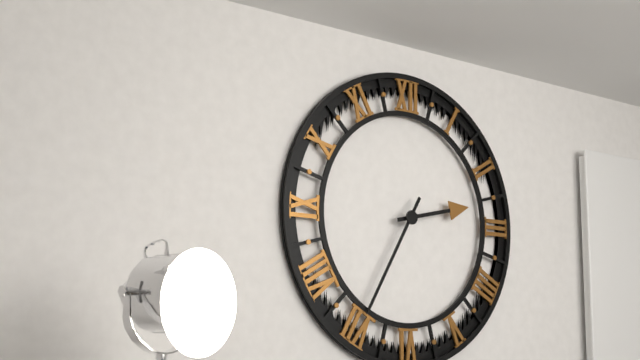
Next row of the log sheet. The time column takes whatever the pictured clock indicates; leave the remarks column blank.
2:35
